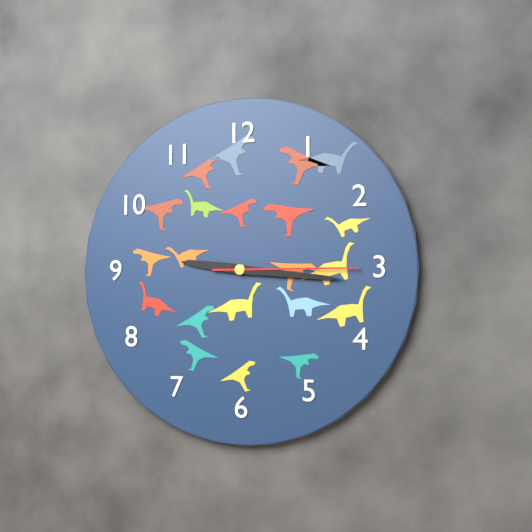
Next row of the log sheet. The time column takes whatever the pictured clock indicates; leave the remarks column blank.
9:16:15
